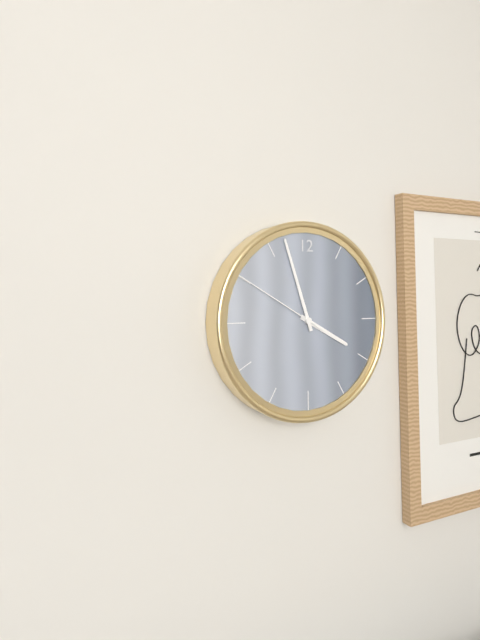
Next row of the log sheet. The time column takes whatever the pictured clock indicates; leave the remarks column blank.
3:57:50
